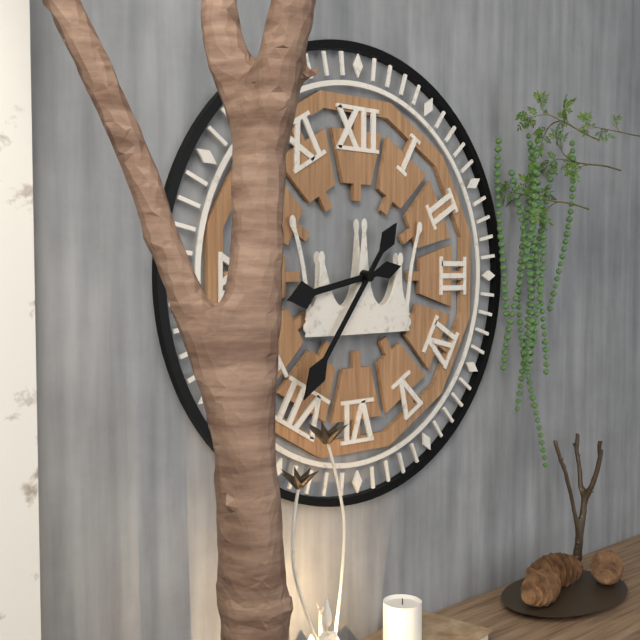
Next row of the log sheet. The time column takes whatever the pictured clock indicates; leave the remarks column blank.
8:36
